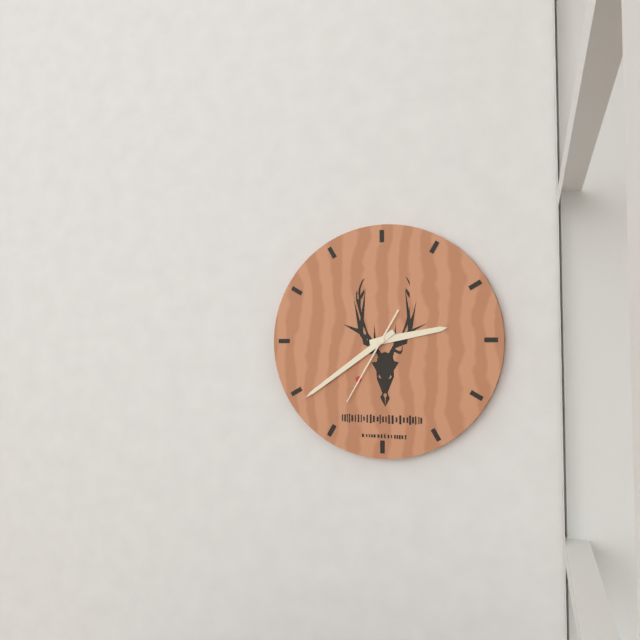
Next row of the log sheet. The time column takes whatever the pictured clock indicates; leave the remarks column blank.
2:39:35
